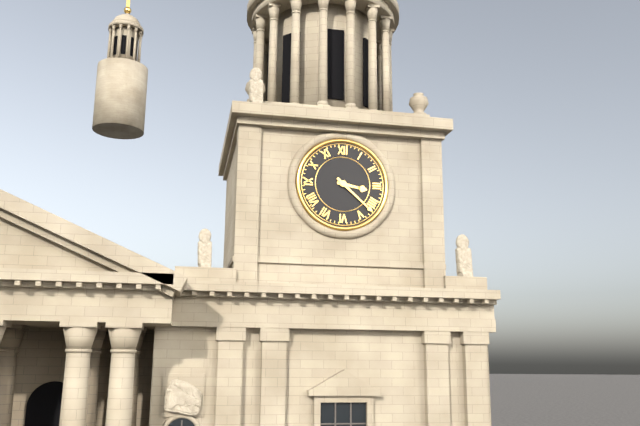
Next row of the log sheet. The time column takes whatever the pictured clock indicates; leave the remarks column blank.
3:22
